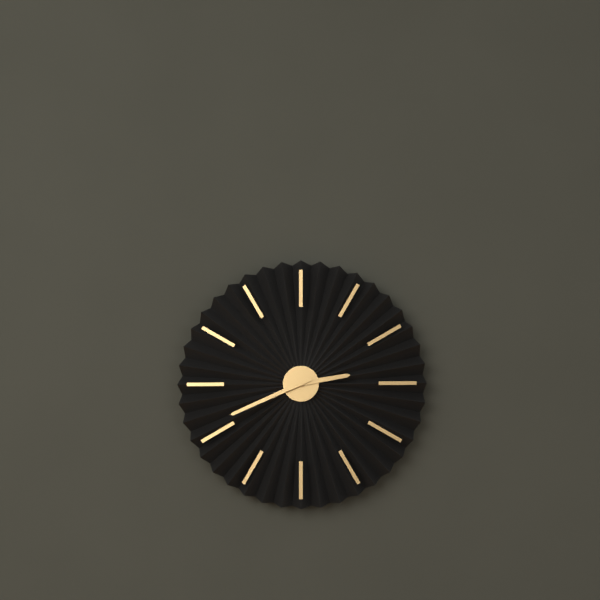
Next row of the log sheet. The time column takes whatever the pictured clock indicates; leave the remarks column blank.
2:41
